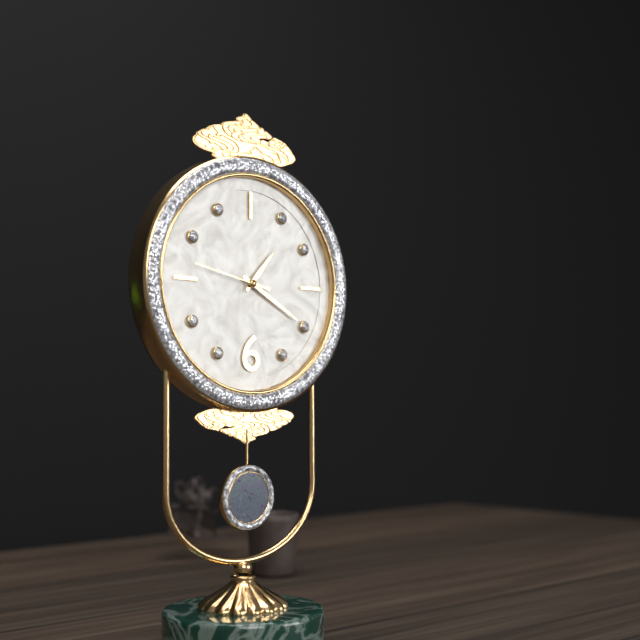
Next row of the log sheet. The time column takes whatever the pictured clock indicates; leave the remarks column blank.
1:20:47
